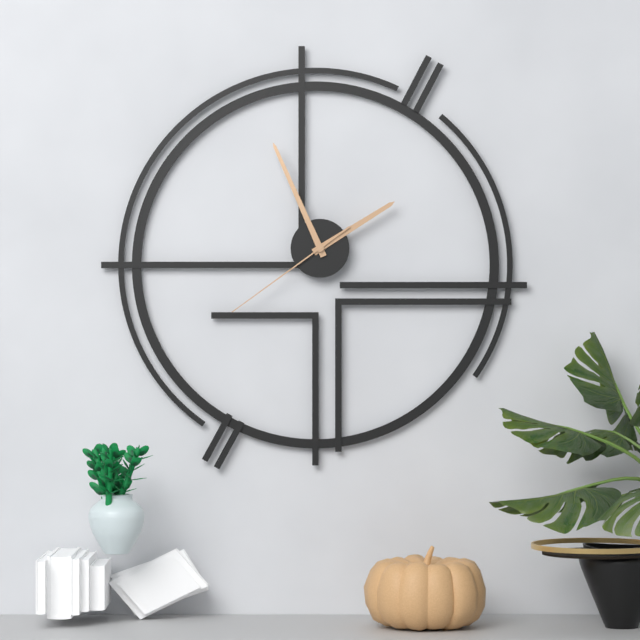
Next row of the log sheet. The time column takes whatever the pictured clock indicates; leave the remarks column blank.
1:56:39
